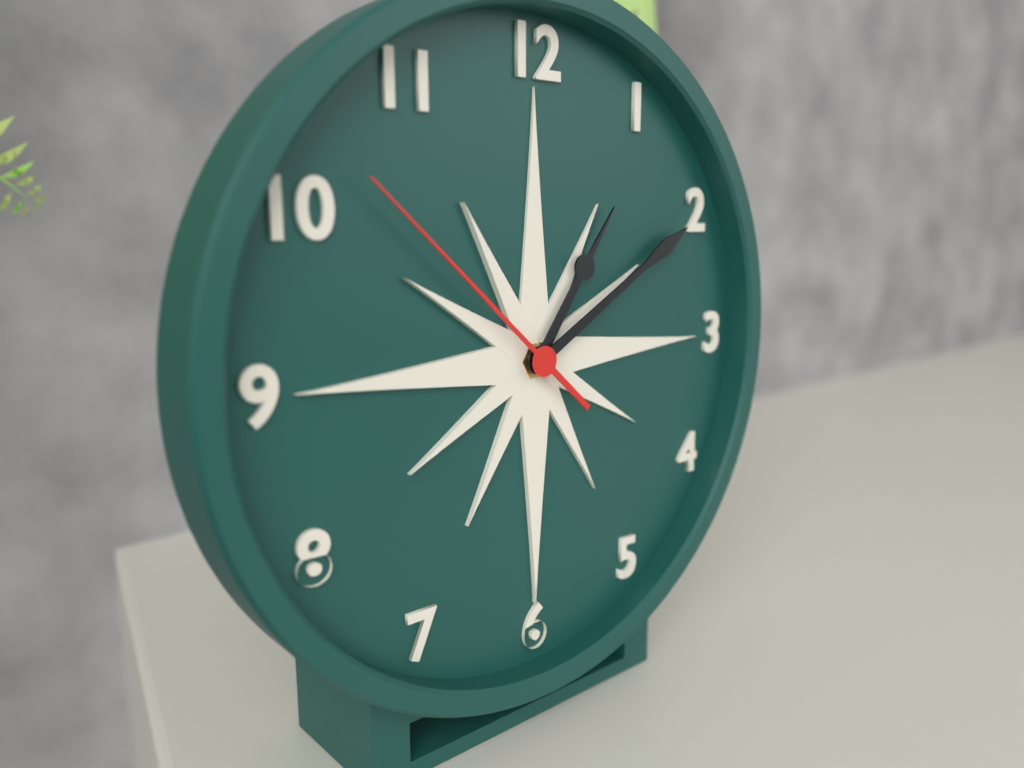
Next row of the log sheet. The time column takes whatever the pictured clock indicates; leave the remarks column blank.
1:10:52
